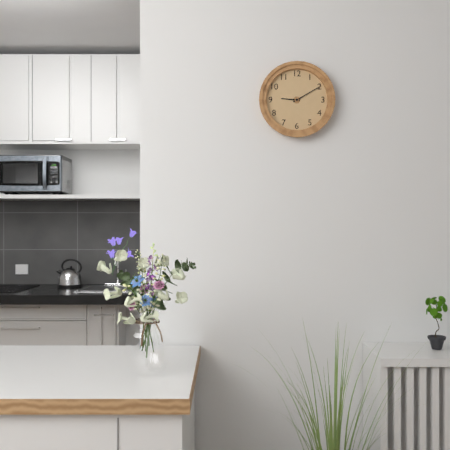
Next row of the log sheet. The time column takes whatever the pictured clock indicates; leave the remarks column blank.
9:10
